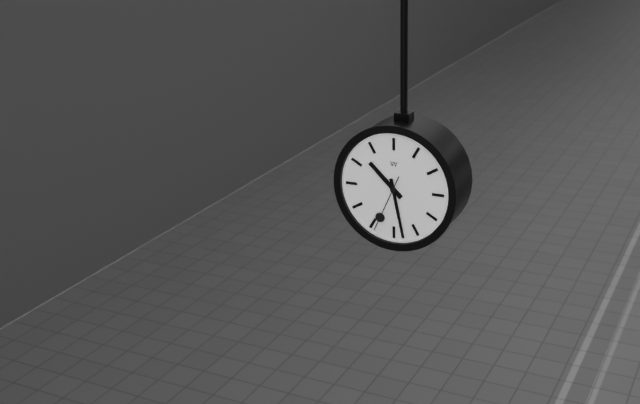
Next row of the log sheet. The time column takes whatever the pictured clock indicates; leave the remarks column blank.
10:28:34
